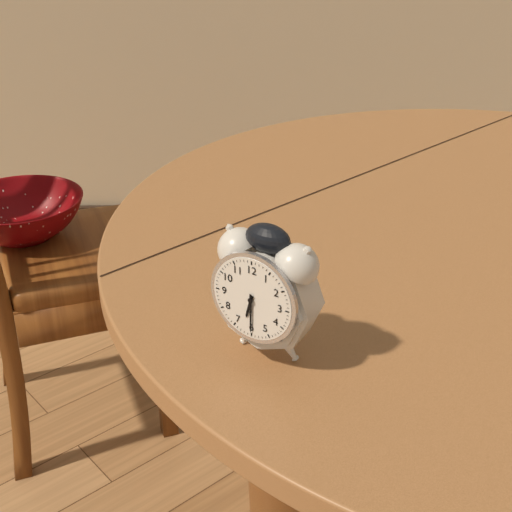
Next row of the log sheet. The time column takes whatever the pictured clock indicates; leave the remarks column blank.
6:30
